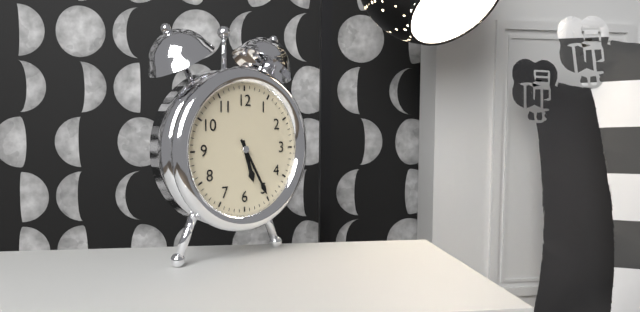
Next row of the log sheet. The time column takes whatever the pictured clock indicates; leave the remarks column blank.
5:25
